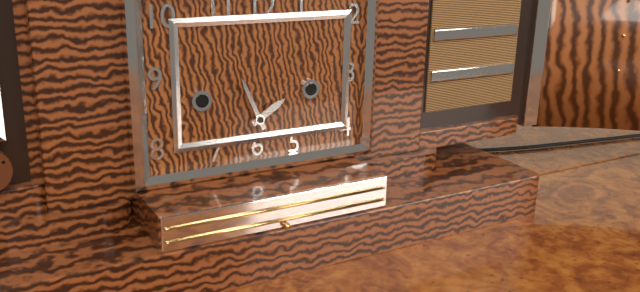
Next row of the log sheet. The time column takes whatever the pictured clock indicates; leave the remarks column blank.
1:56
